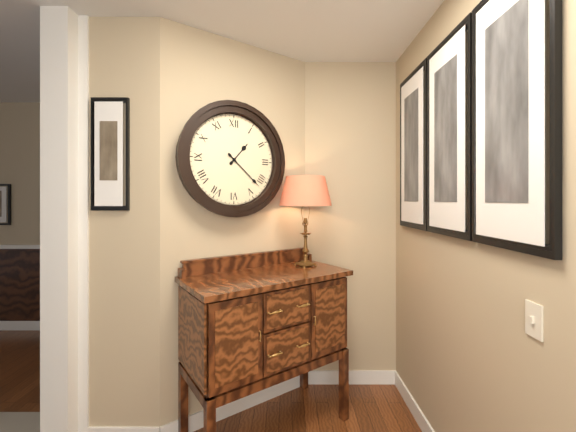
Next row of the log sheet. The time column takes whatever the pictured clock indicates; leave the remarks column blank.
1:22
